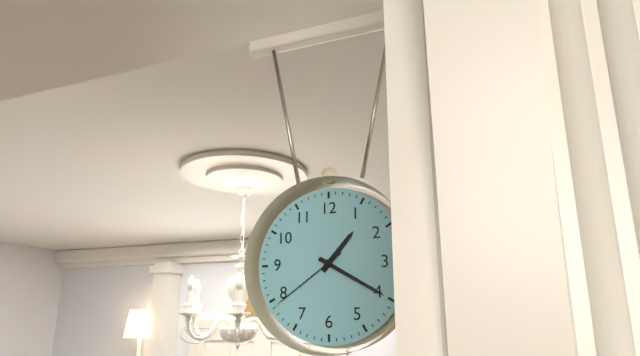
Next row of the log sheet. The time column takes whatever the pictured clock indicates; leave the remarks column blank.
1:20:39
